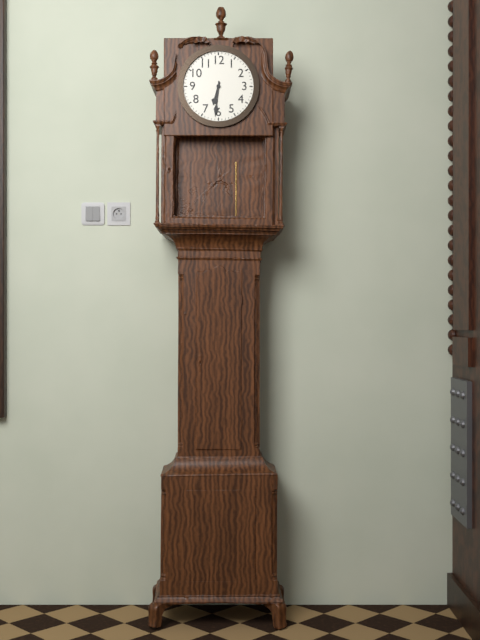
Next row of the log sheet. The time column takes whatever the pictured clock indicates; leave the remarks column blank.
6:31
